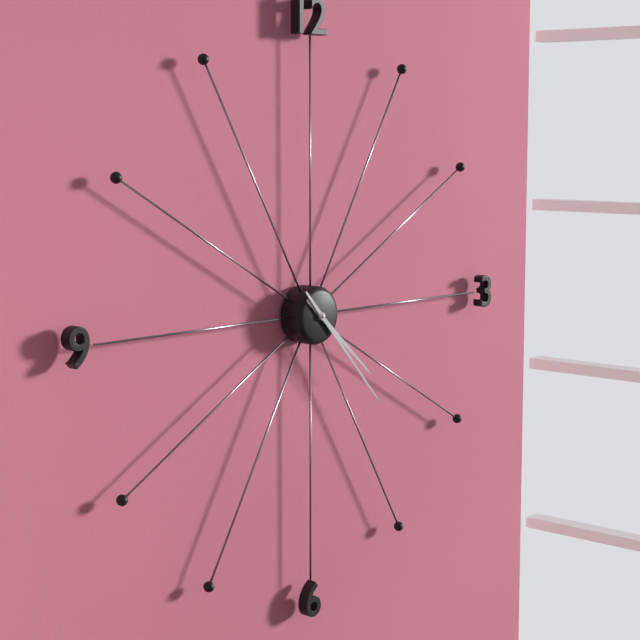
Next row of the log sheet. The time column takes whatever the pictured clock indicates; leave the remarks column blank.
4:23
